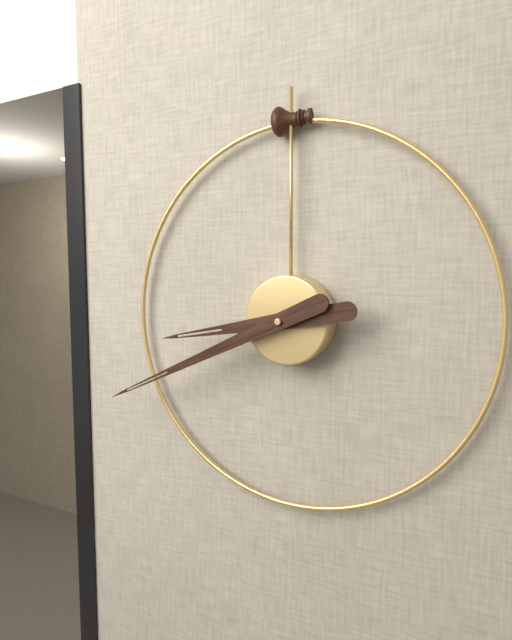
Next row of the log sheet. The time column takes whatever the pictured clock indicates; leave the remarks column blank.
8:41
